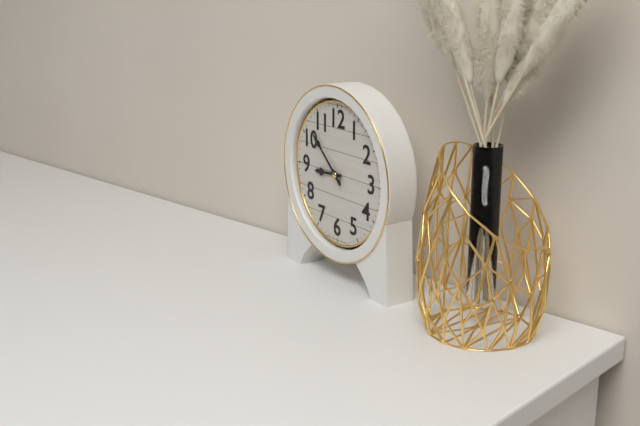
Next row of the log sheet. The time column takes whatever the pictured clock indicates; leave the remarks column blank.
8:52
